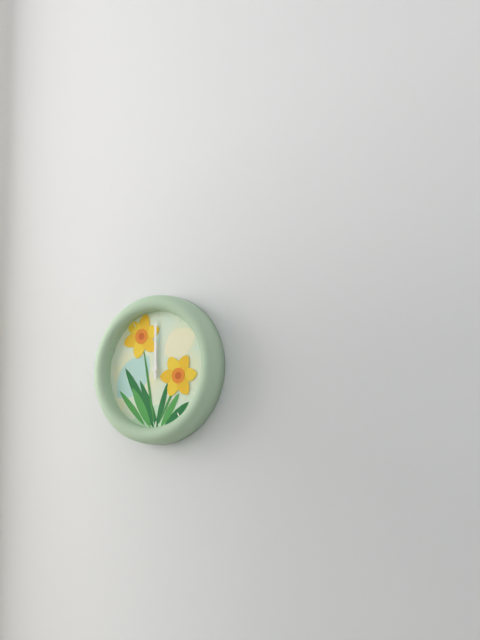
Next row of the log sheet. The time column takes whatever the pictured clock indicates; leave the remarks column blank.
12:00
